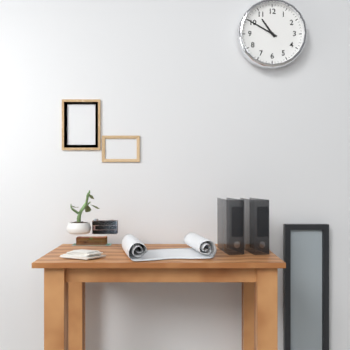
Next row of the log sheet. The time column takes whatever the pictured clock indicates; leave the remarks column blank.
10:50
